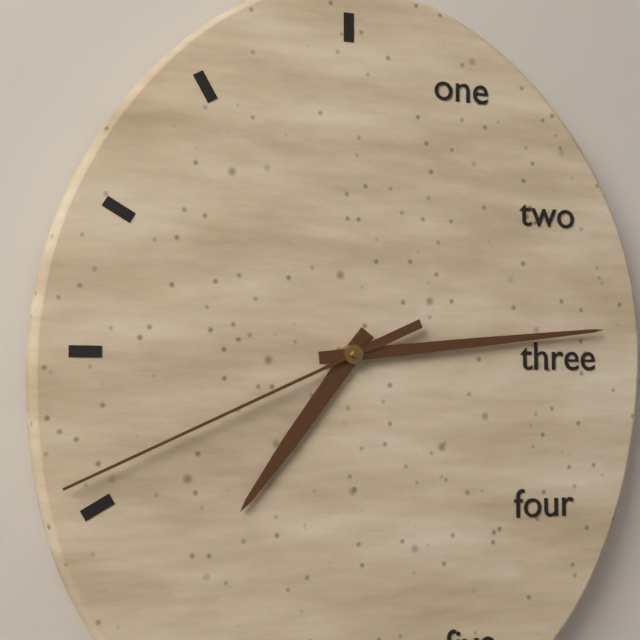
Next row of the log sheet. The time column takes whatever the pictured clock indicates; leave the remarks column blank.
7:14:41
